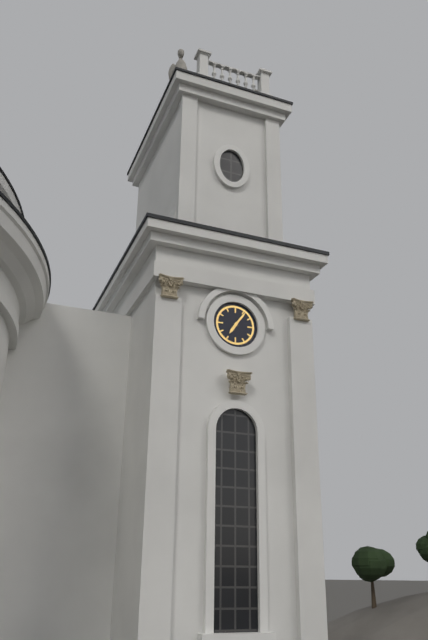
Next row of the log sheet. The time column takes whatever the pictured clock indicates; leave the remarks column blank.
7:06
